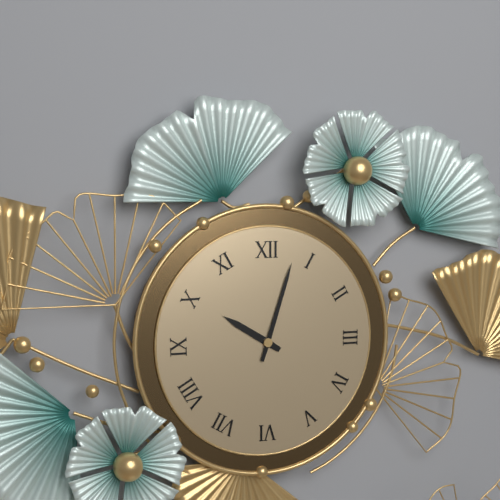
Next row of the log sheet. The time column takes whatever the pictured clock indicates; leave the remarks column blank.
10:03
